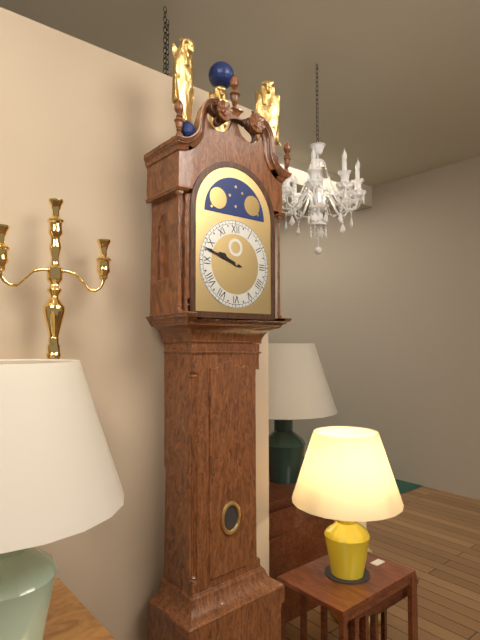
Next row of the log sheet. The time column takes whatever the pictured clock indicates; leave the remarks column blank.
9:48
